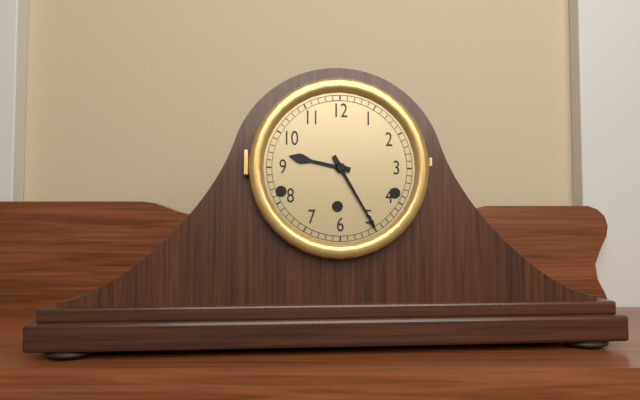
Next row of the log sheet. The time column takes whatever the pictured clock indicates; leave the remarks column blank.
9:25
